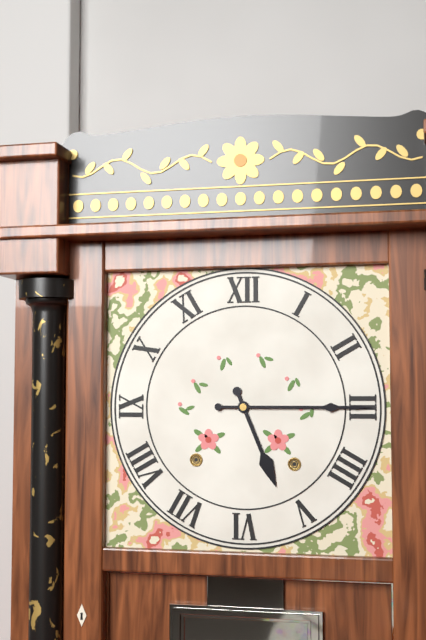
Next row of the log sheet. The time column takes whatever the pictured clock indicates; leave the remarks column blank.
5:15
